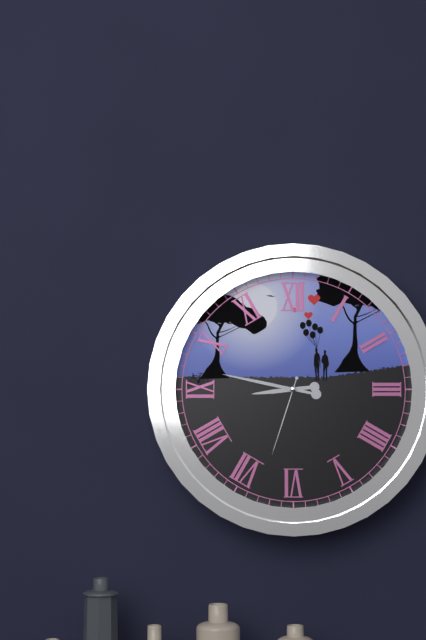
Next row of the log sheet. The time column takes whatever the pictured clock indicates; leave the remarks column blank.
8:47:33
